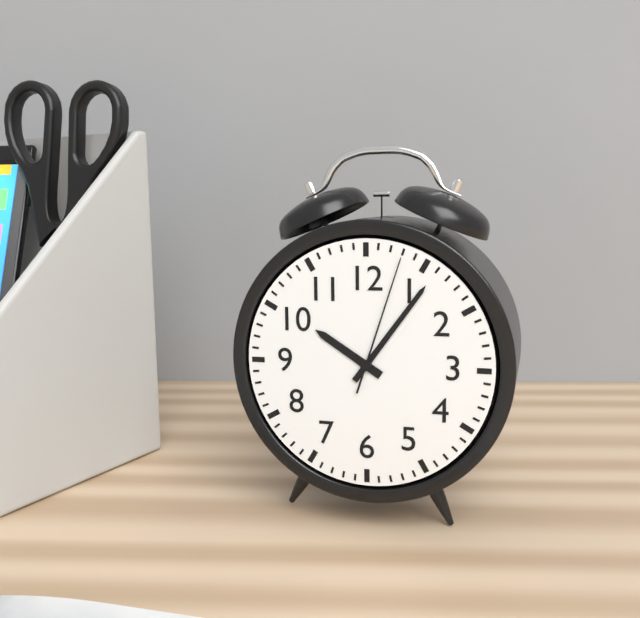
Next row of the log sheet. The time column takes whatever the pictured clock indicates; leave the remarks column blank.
10:06:03
